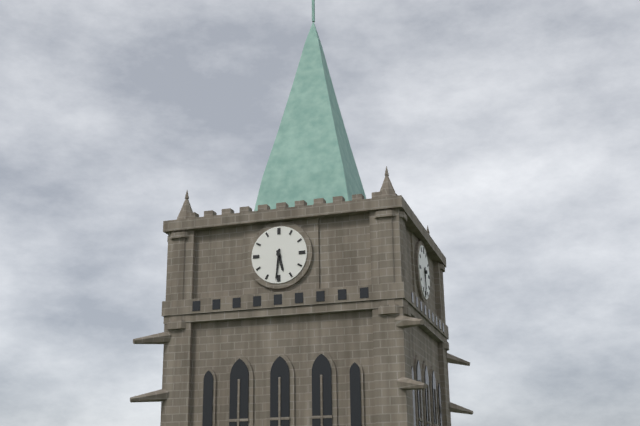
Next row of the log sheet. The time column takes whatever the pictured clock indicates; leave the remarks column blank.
5:31
